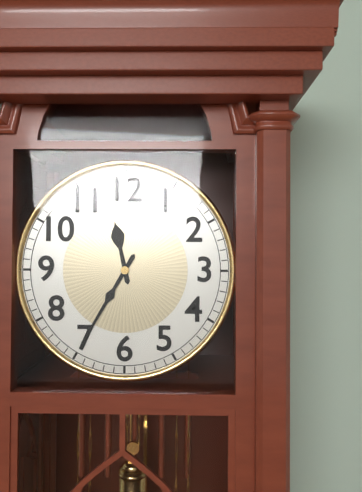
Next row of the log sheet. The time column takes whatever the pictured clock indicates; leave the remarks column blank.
11:35
